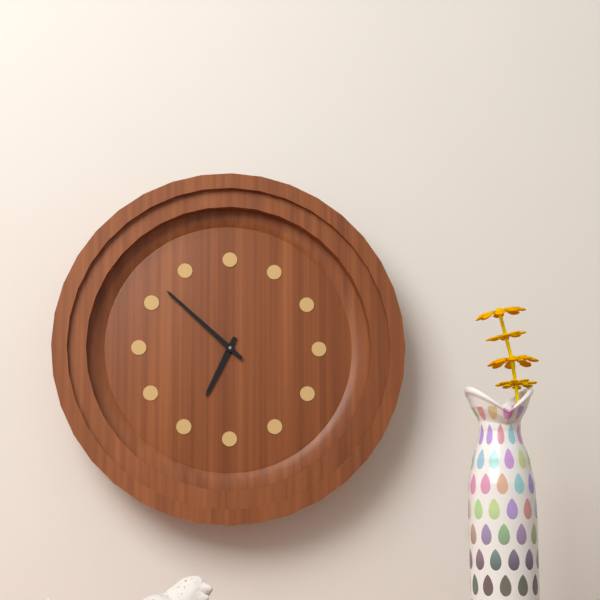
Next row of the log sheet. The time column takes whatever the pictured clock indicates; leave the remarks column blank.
6:52
